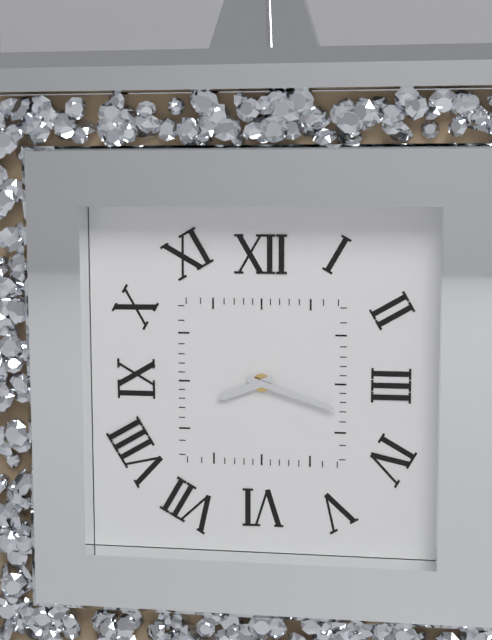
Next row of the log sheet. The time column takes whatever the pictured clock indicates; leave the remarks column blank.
8:18
